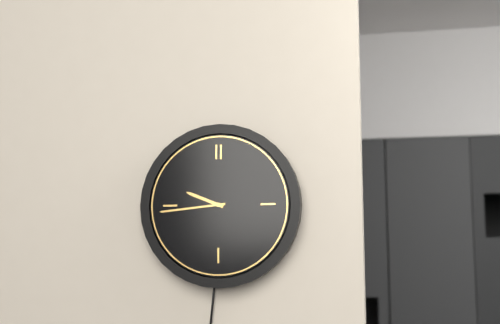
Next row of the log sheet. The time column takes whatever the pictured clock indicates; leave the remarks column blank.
9:44
